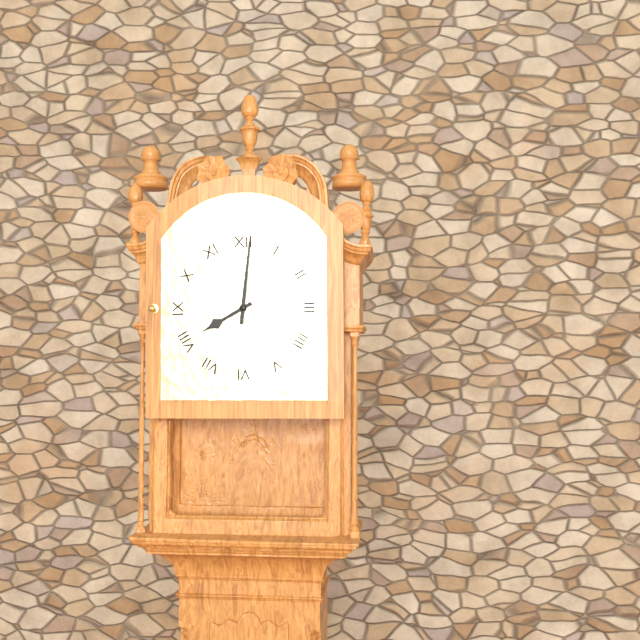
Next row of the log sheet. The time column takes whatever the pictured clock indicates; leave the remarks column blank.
8:01
